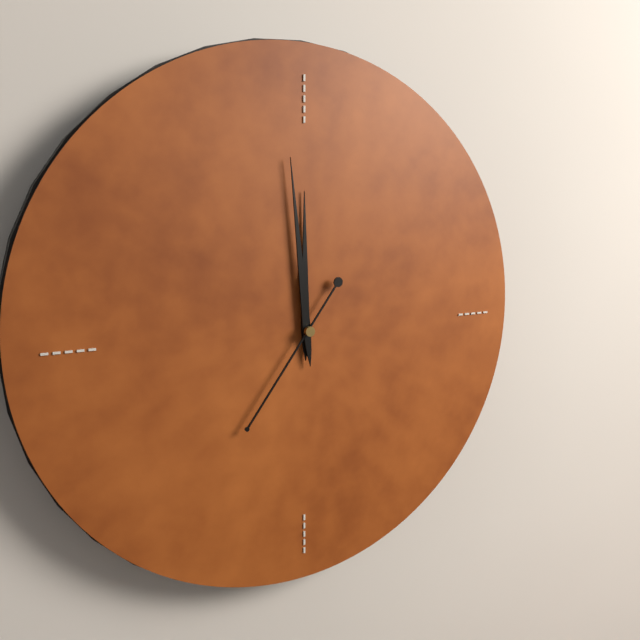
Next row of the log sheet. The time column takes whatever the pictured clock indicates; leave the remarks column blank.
11:59:36
